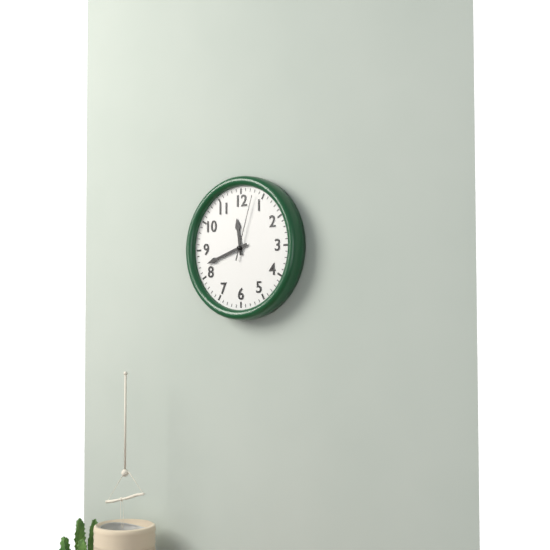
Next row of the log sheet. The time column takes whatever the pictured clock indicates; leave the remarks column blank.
11:42:03
